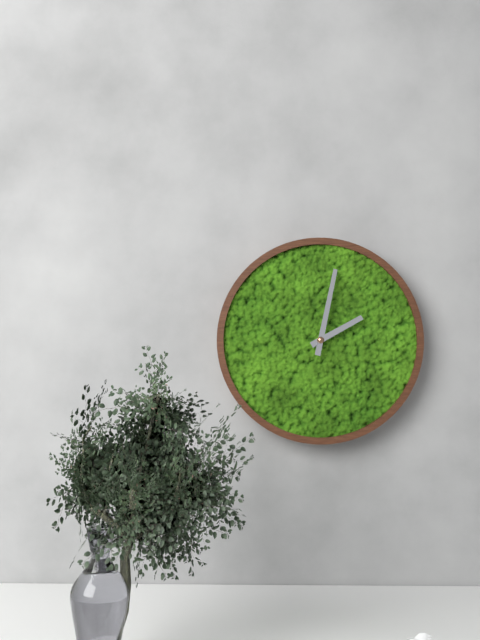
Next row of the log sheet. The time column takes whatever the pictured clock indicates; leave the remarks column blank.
2:02
